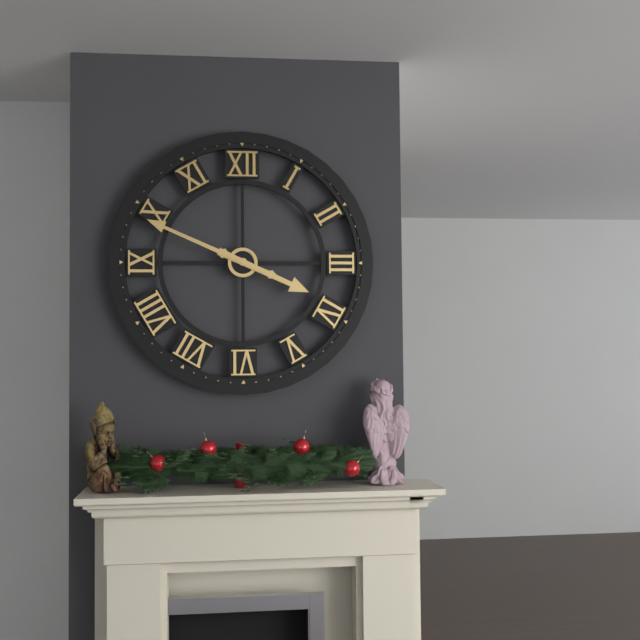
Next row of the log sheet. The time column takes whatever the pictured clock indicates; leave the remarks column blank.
3:49
